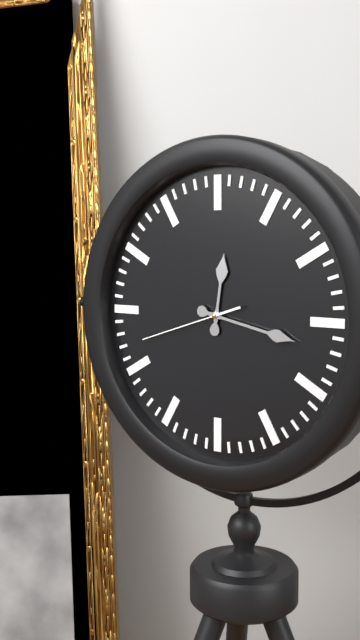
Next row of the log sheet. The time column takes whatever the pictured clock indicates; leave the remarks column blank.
12:17:42
